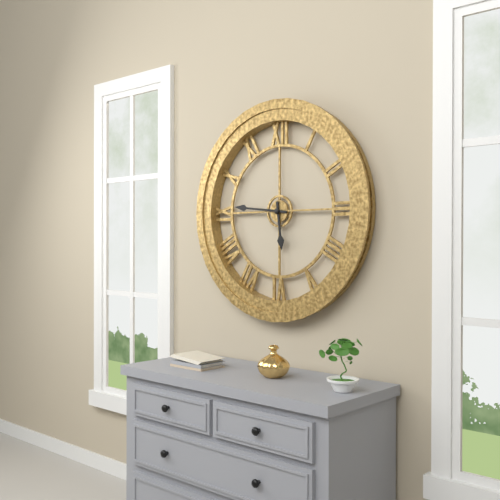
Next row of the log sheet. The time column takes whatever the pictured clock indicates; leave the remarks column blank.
5:46
